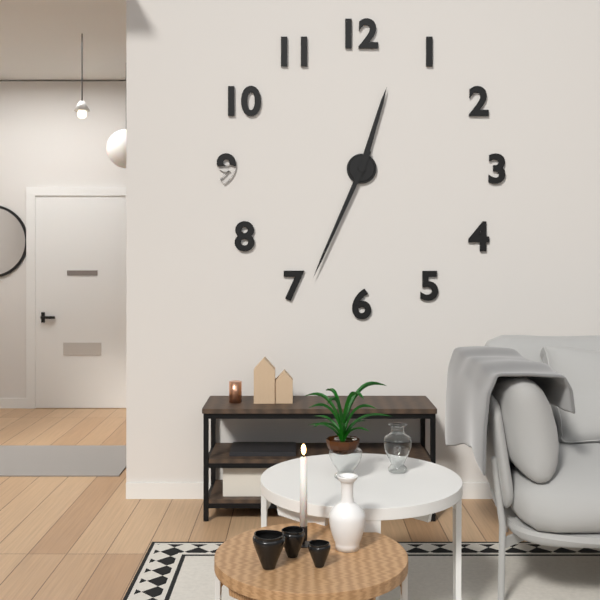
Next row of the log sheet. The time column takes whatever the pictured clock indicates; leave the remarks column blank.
12:34
